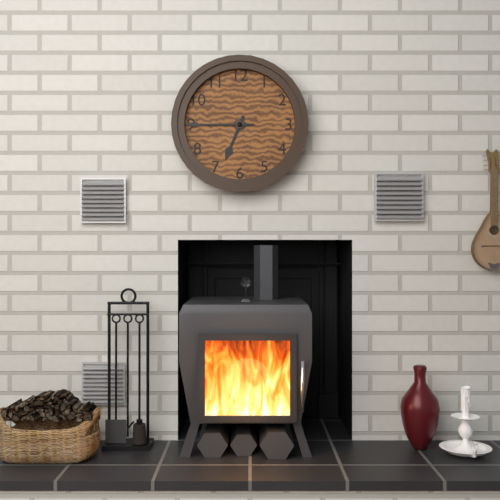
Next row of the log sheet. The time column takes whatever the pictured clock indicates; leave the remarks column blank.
6:45
